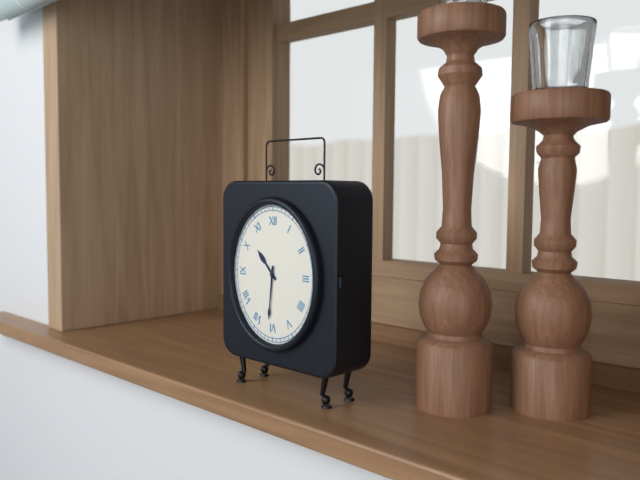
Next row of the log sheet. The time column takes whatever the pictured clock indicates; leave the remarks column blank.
10:31
